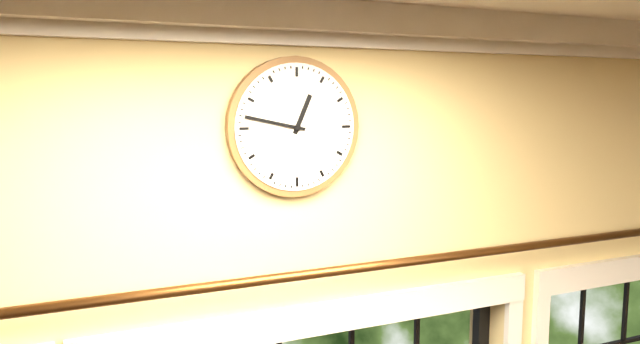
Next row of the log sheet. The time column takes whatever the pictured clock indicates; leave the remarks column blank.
12:47
